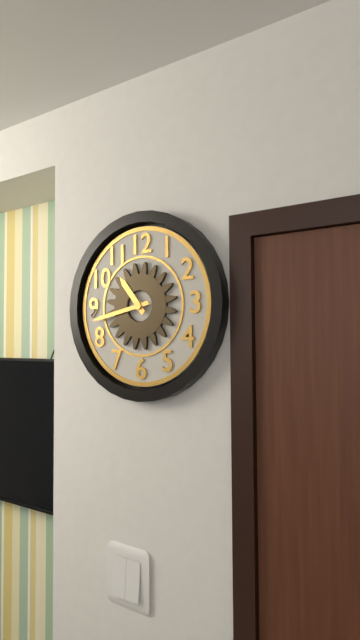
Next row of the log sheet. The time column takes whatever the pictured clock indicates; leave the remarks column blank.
10:43
